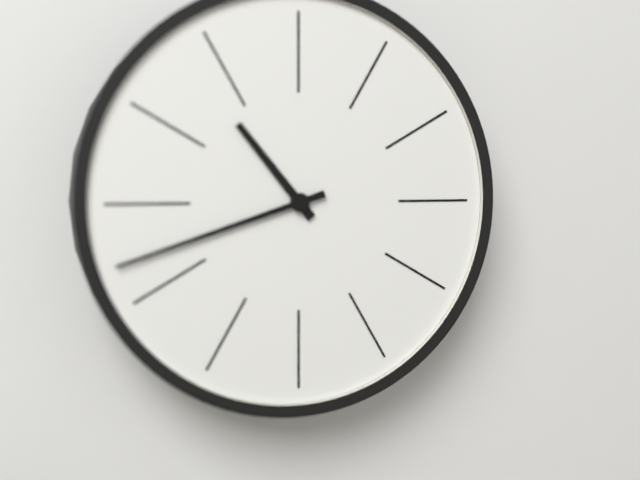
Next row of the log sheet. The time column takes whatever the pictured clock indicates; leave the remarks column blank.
10:42
